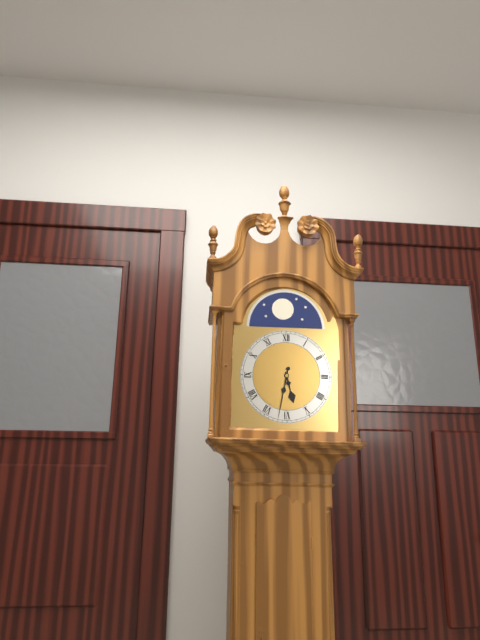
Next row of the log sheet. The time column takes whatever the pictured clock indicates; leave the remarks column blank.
5:32
